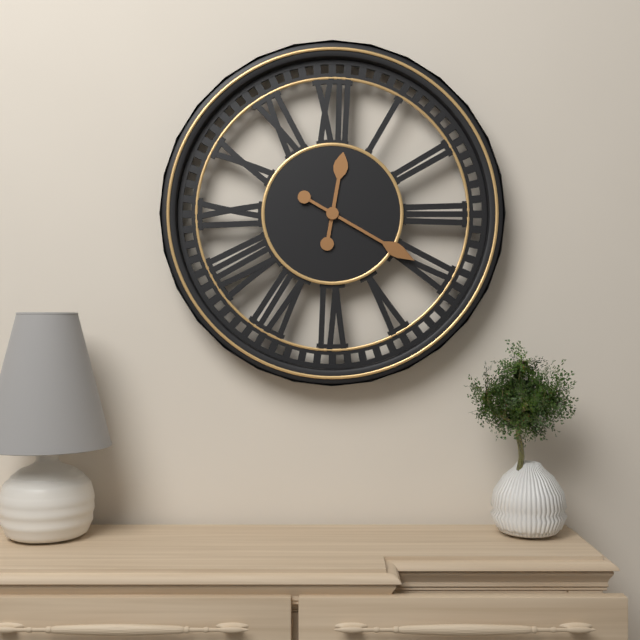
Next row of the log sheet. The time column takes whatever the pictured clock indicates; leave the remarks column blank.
12:20
